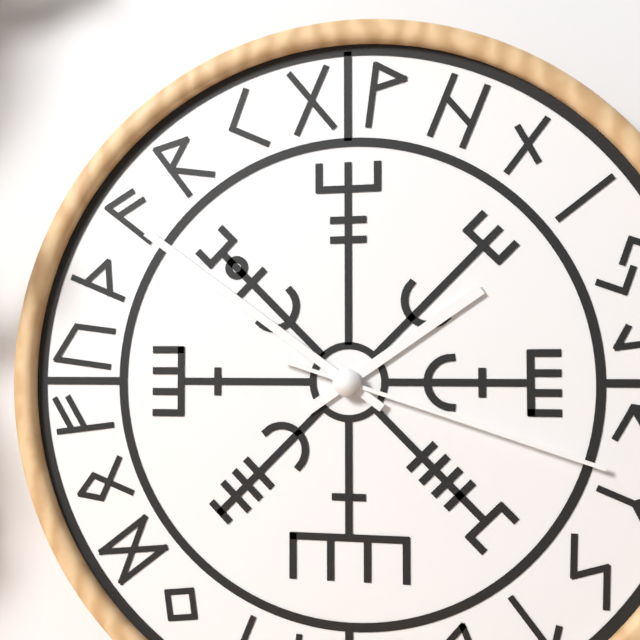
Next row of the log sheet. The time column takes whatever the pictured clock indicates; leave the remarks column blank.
1:51:18
